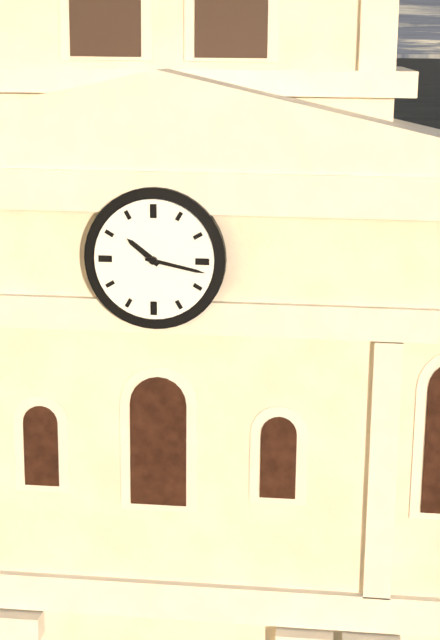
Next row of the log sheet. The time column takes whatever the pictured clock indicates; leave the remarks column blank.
10:17
